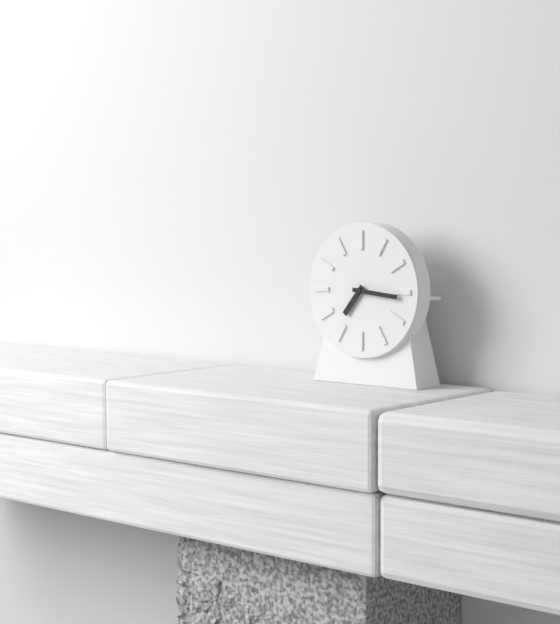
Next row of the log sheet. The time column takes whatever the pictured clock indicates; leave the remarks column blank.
7:16
